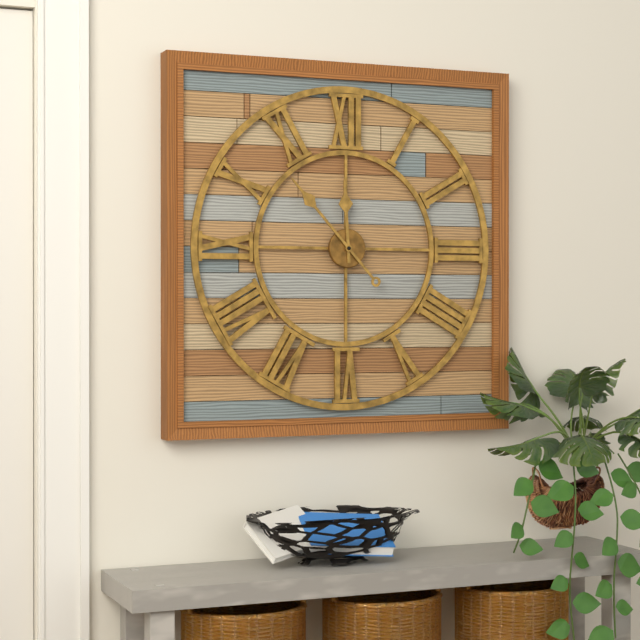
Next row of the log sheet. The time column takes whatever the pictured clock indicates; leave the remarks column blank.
11:53
